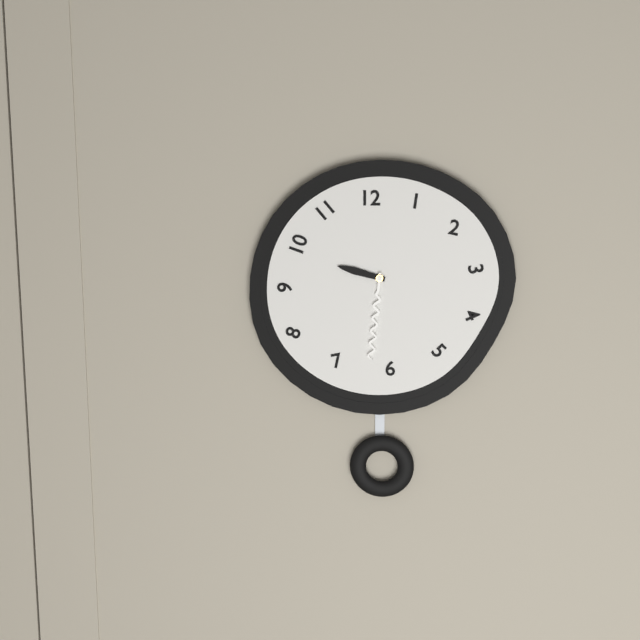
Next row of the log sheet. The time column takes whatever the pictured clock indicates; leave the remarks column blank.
9:31
